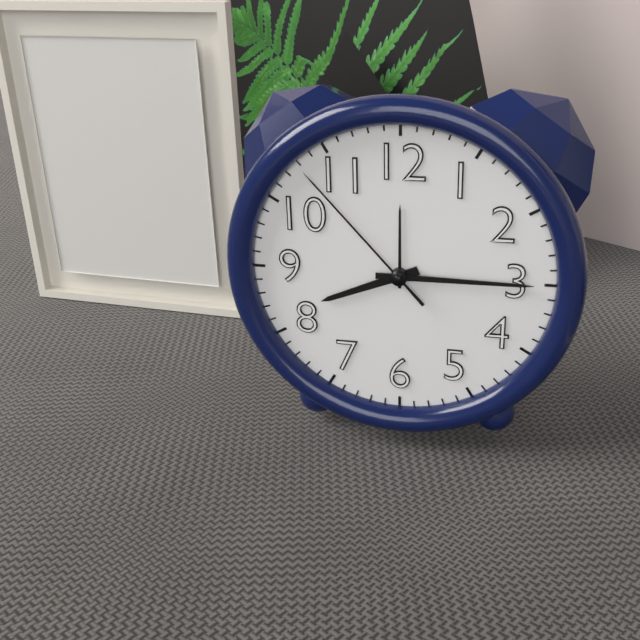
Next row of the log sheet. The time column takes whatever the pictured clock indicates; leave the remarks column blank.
8:15:53
